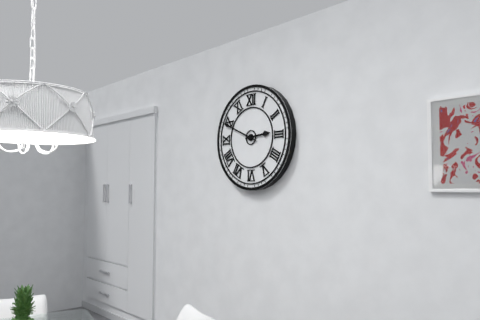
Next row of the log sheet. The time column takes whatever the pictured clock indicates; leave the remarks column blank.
2:49
